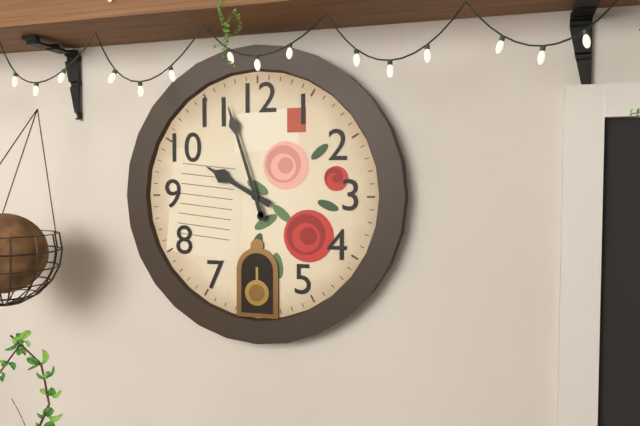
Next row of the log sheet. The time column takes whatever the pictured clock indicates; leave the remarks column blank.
9:57
